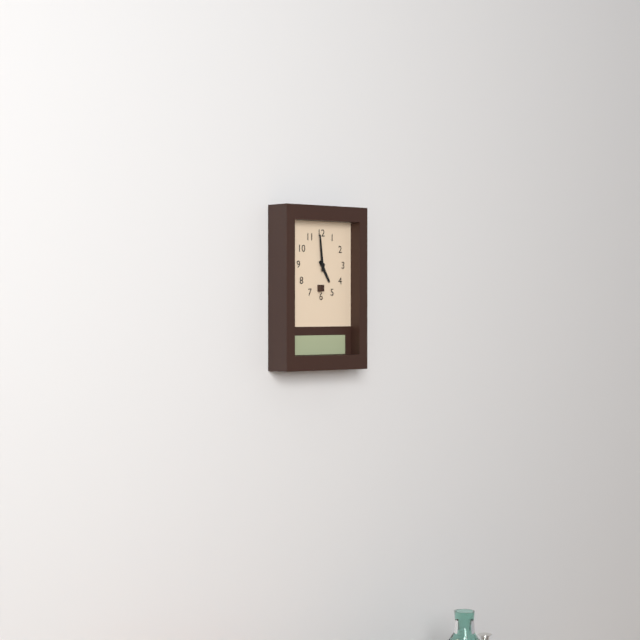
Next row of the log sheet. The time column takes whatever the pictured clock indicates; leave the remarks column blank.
4:59
